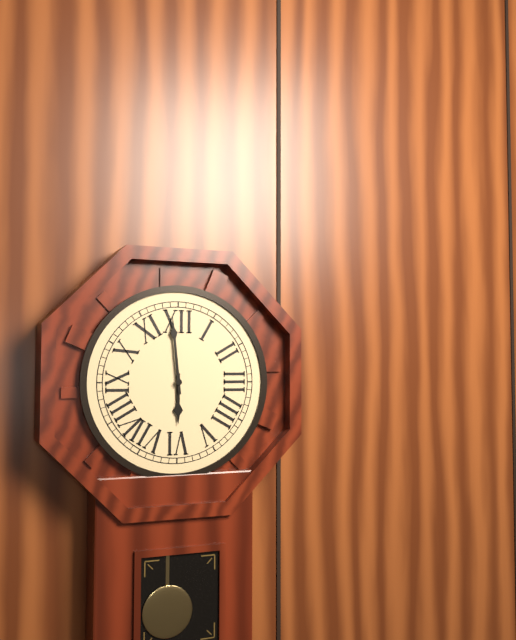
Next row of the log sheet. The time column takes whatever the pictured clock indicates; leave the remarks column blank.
5:59
